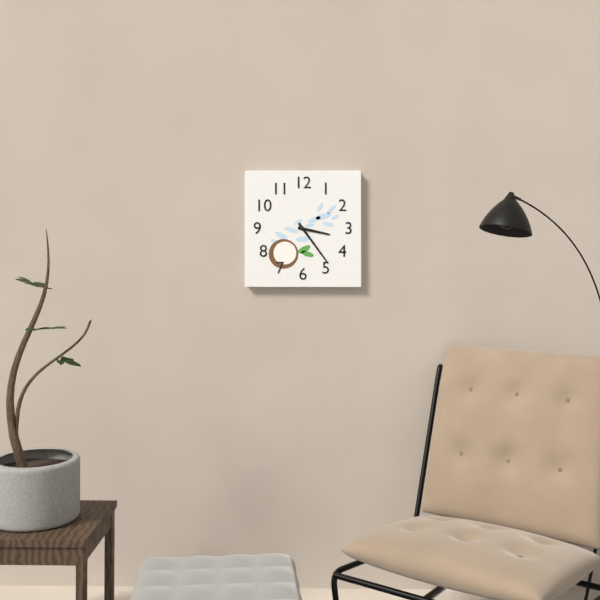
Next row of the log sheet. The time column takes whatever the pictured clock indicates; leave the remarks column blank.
3:24
